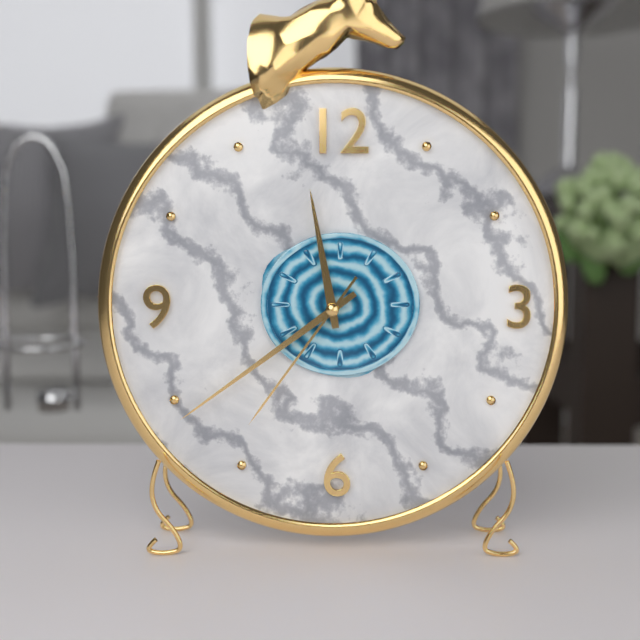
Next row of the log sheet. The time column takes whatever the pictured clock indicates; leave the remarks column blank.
11:39:36
